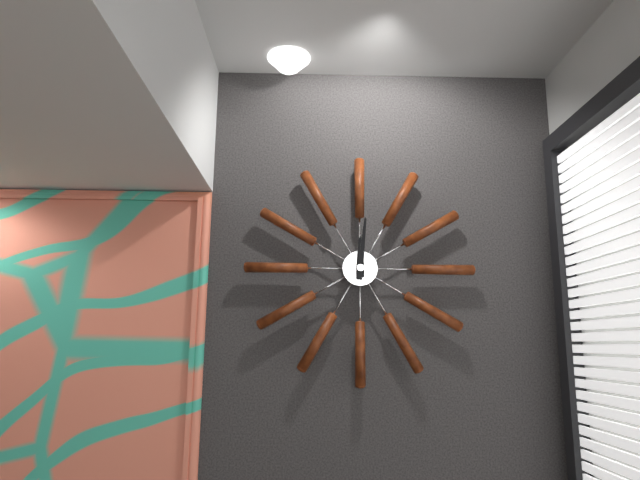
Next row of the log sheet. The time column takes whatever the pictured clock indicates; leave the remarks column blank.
12:01
